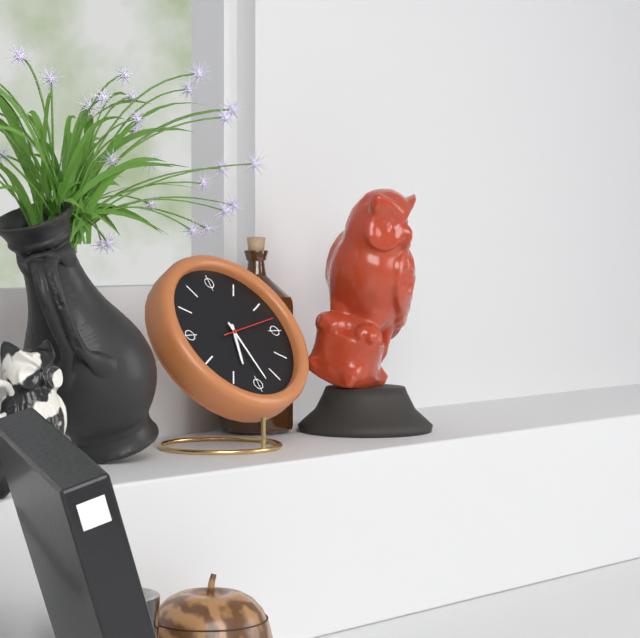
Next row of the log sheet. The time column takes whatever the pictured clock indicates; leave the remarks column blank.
6:28:13
